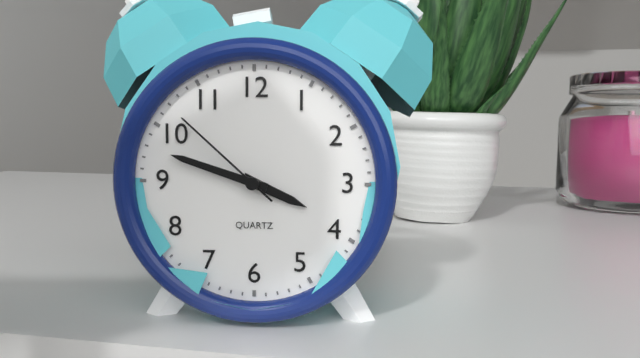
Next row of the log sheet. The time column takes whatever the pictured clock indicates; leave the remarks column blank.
3:48:52
